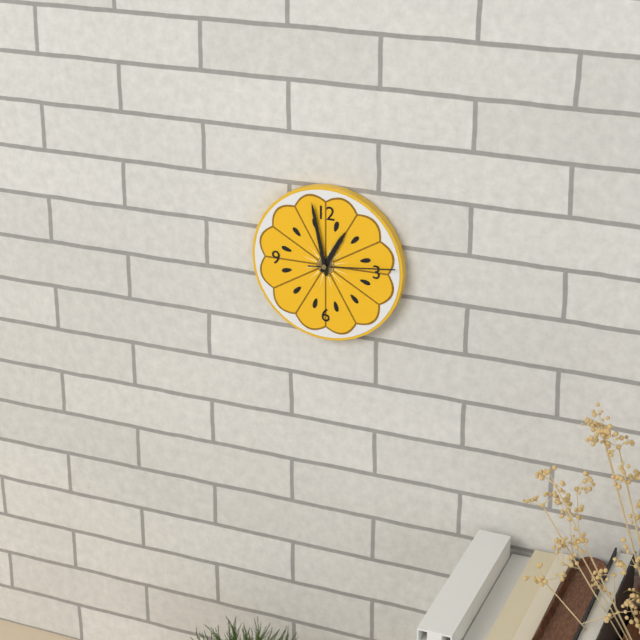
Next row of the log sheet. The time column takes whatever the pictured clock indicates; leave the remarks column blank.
12:58:14
